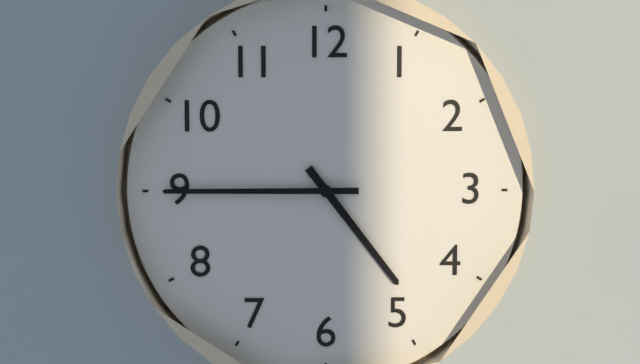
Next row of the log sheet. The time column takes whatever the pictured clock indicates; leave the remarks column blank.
4:45
